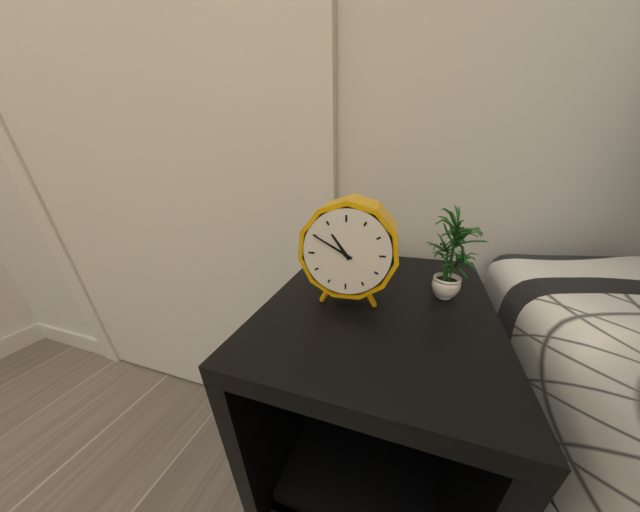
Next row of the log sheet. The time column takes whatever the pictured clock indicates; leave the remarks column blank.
10:50
